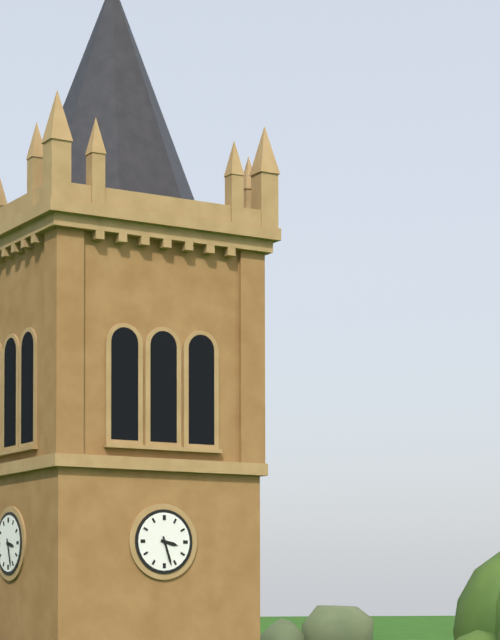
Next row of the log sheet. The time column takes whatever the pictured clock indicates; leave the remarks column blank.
3:27
